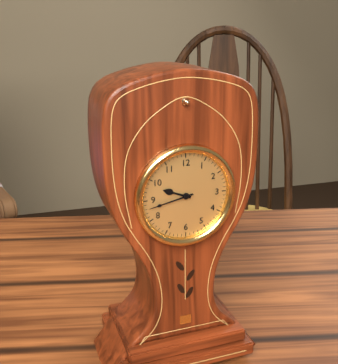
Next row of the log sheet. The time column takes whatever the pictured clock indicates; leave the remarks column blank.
9:43
